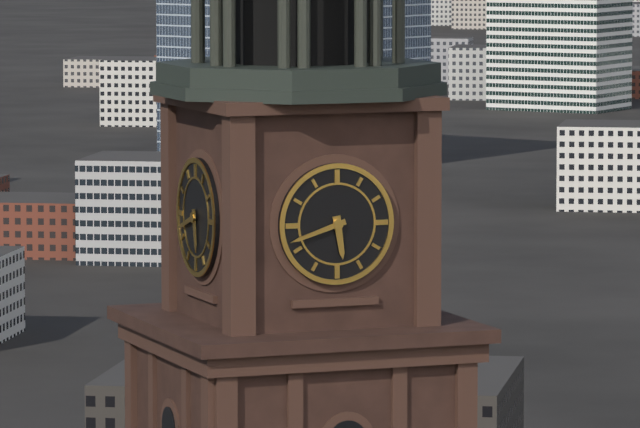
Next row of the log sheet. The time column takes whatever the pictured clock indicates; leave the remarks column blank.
5:42
